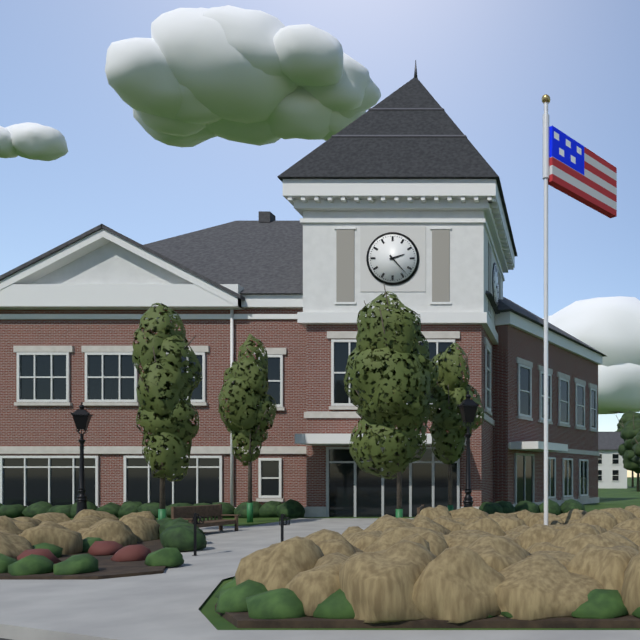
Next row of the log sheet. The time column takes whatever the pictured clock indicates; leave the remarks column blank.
2:23
